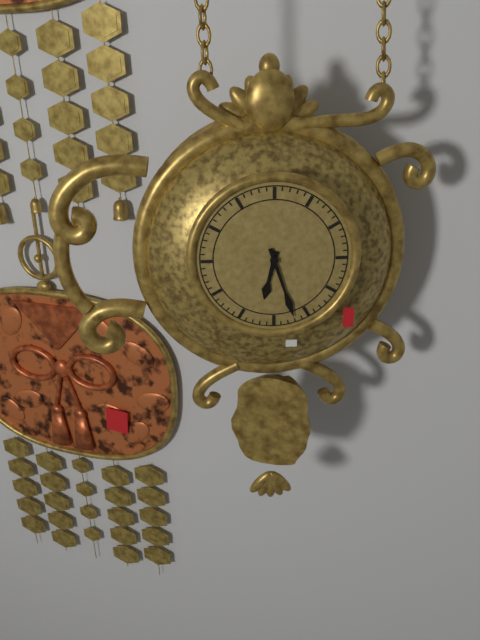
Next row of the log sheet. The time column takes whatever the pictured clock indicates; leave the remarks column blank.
6:27
